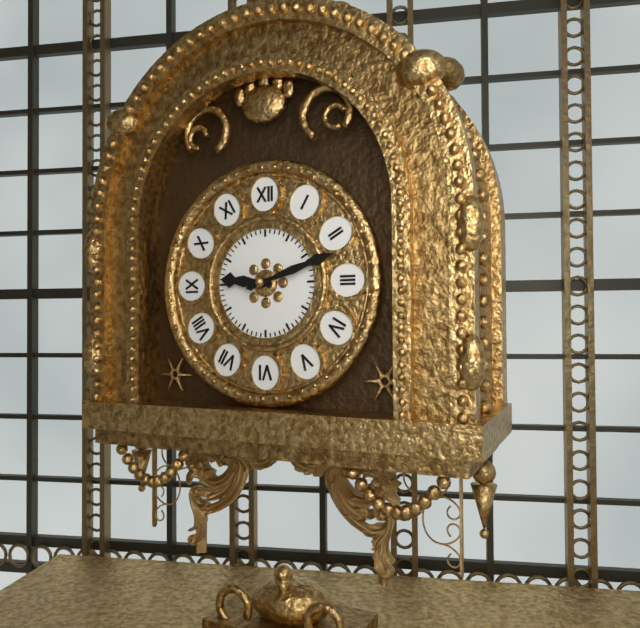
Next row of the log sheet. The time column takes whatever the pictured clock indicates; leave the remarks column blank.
9:12
